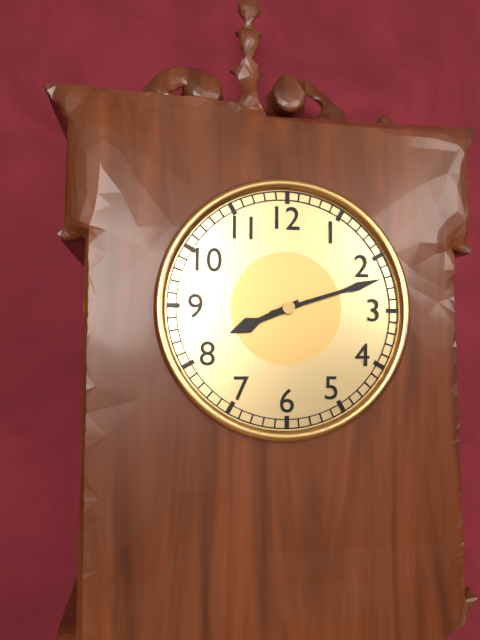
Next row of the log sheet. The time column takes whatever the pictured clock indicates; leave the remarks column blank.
8:12
